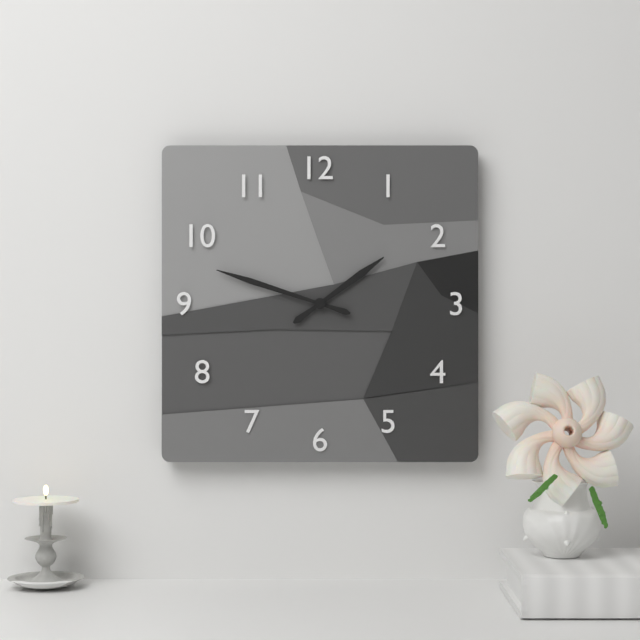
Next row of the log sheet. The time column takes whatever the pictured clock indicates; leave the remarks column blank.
1:48
